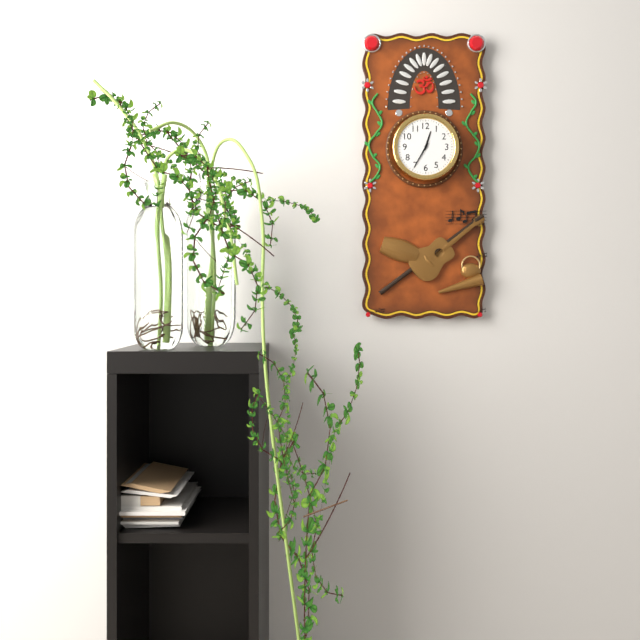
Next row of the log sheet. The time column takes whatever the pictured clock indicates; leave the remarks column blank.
12:35
